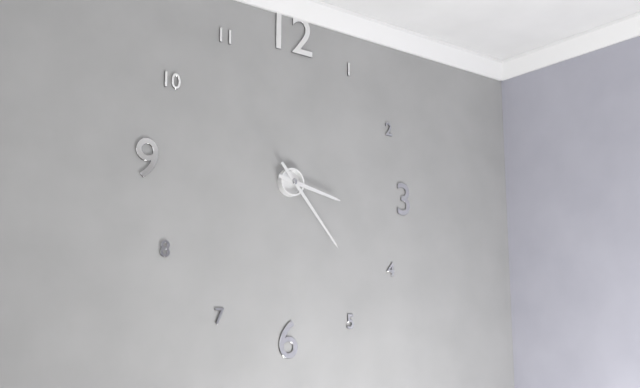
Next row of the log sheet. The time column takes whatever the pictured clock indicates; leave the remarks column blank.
3:23
